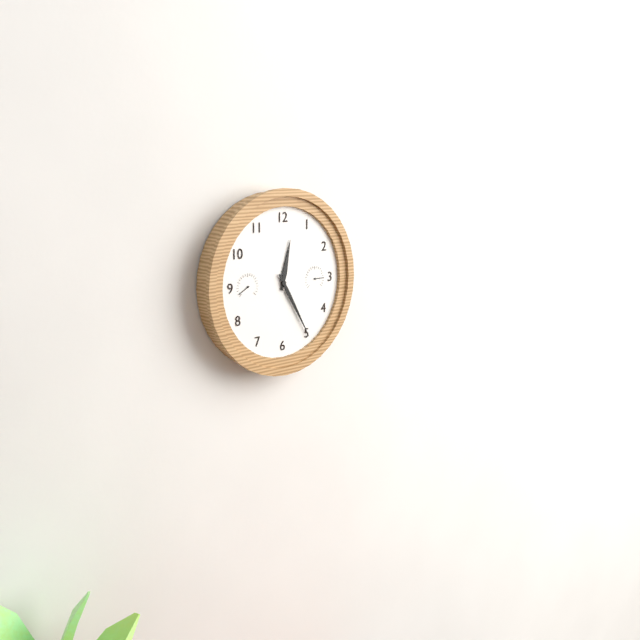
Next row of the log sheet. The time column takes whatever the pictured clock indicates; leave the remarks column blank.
12:25
